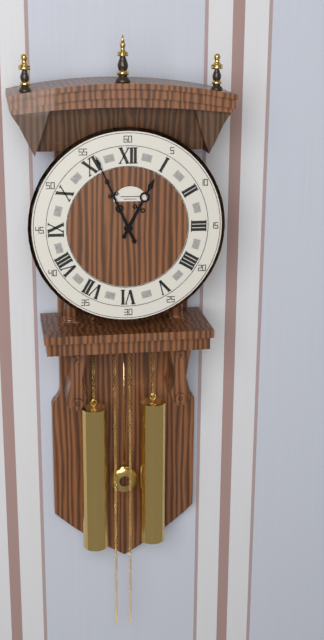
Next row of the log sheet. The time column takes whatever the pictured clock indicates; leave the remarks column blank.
12:56
